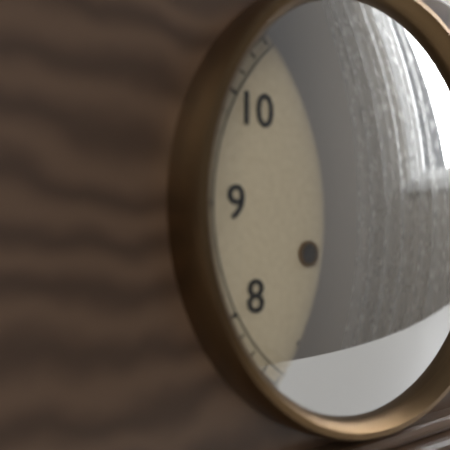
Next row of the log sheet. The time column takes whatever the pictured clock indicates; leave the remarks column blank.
2:04
